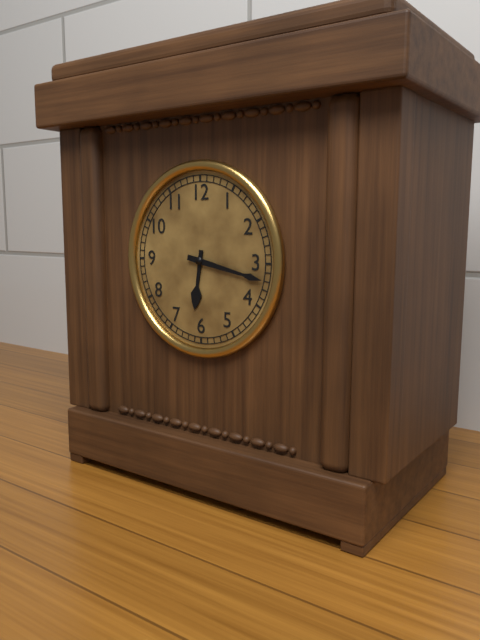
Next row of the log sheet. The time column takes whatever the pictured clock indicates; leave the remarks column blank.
6:17
